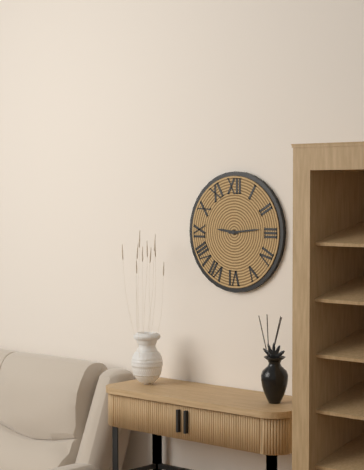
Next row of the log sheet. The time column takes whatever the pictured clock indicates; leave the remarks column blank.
9:14
